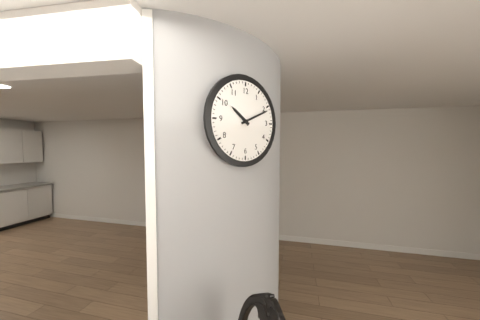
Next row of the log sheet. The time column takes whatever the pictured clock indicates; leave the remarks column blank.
10:11
